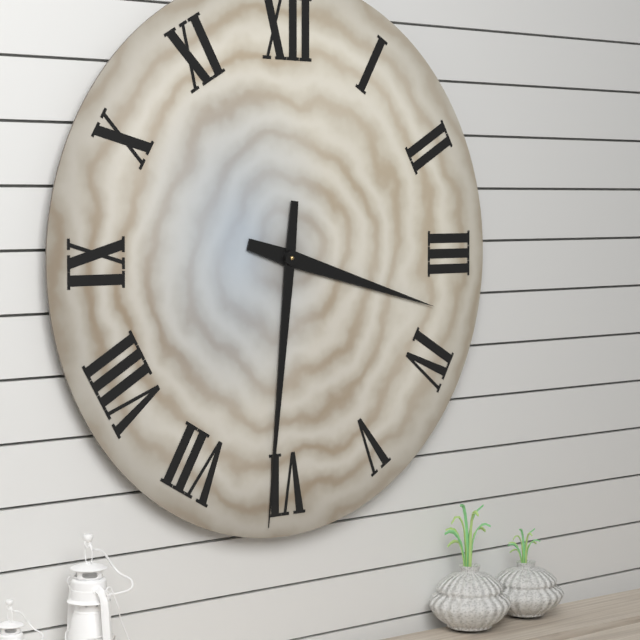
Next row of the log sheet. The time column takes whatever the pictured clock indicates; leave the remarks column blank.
3:31
